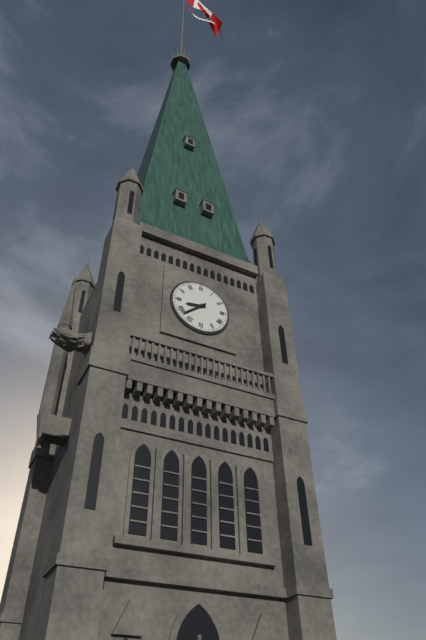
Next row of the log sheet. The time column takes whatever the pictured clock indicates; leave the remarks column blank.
8:38
